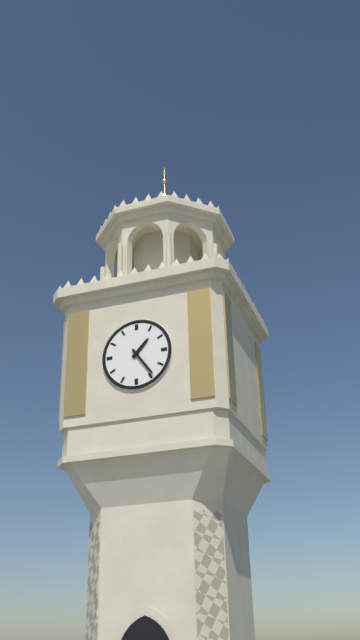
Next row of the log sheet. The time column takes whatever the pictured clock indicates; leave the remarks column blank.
1:24
